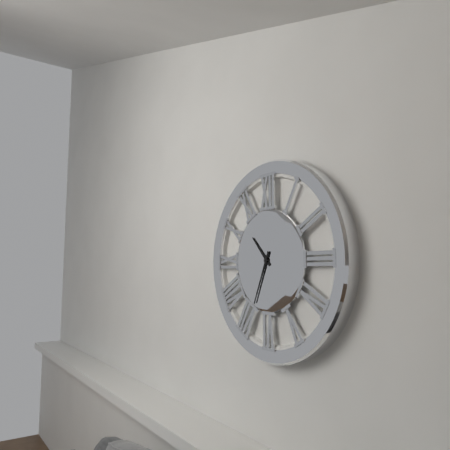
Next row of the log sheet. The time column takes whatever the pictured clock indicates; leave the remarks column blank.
10:34
